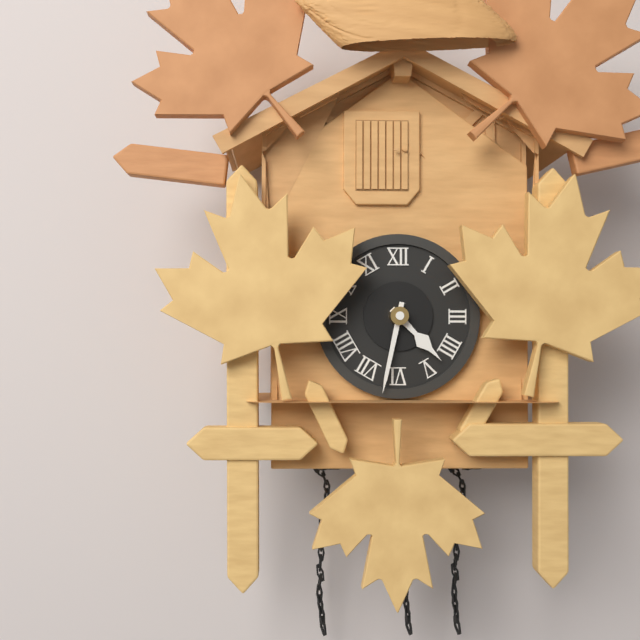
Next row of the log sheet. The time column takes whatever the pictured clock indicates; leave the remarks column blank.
4:32
